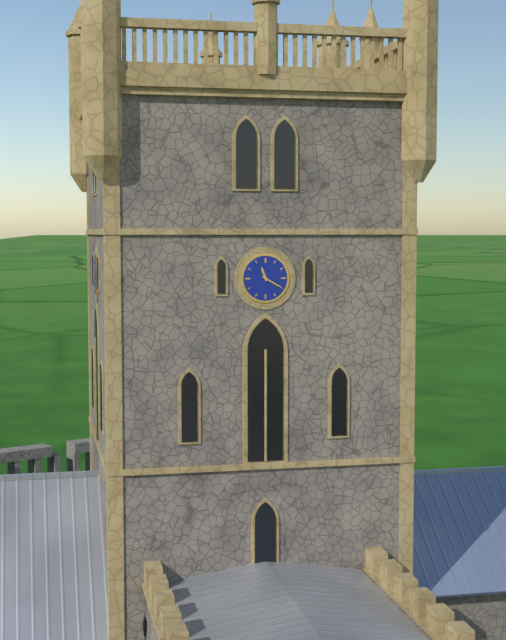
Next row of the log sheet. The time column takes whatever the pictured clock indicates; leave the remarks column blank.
11:20
